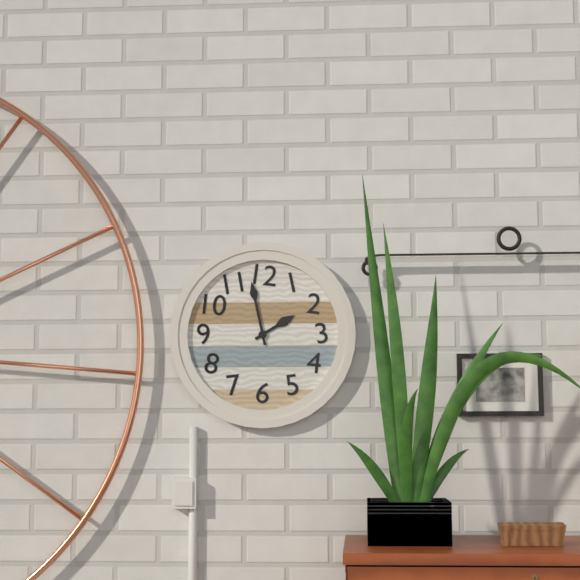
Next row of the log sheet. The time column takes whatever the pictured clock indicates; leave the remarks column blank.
1:58
